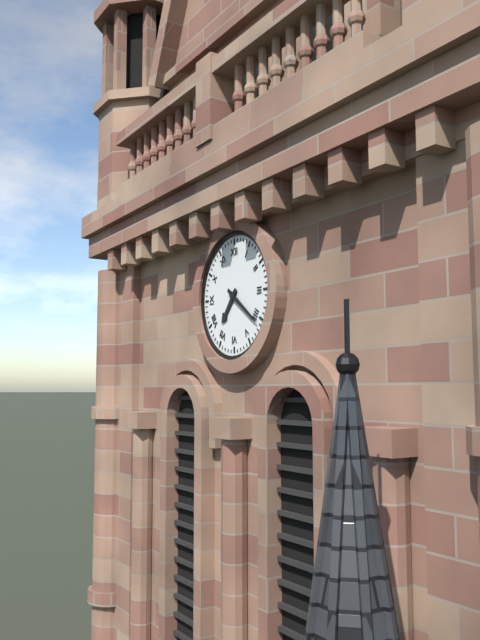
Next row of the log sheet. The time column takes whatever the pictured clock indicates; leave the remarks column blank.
7:21
